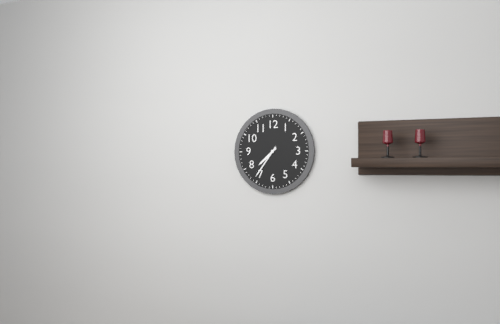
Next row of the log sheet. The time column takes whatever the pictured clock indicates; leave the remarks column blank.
7:36
